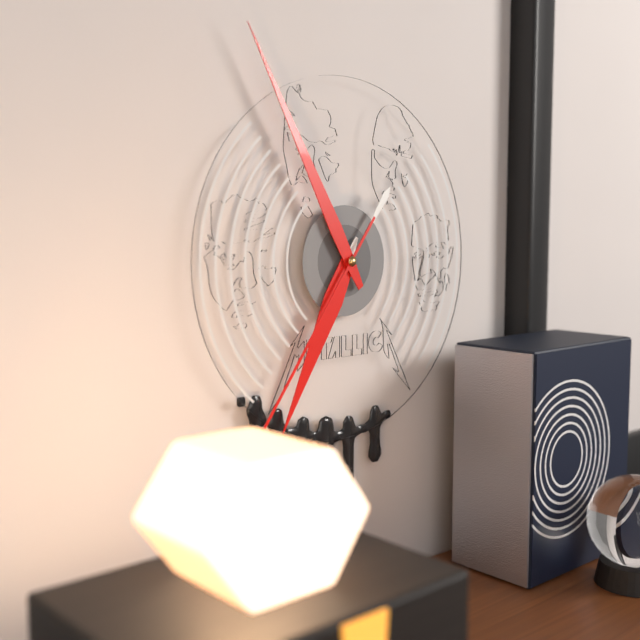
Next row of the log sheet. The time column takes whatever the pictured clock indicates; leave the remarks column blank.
6:55
